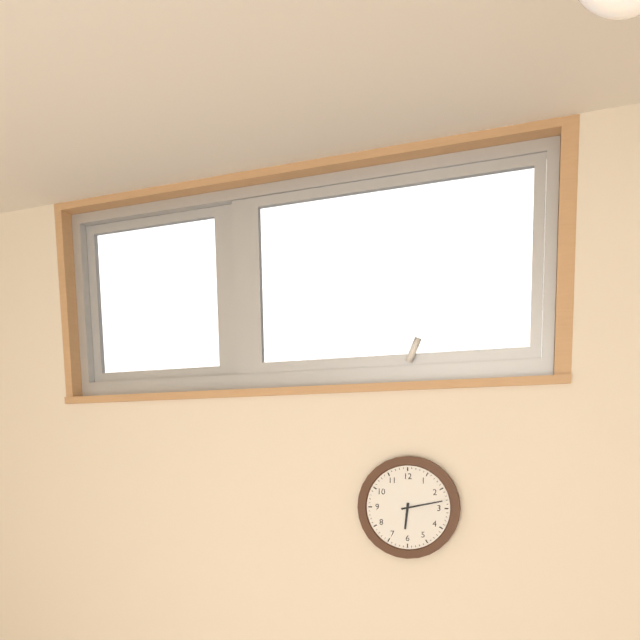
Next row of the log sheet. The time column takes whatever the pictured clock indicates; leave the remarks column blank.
6:13
